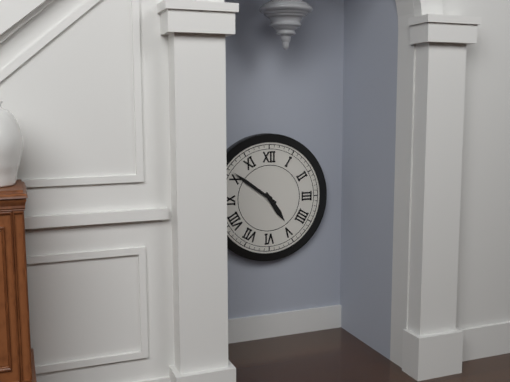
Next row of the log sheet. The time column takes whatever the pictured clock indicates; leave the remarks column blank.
4:51
